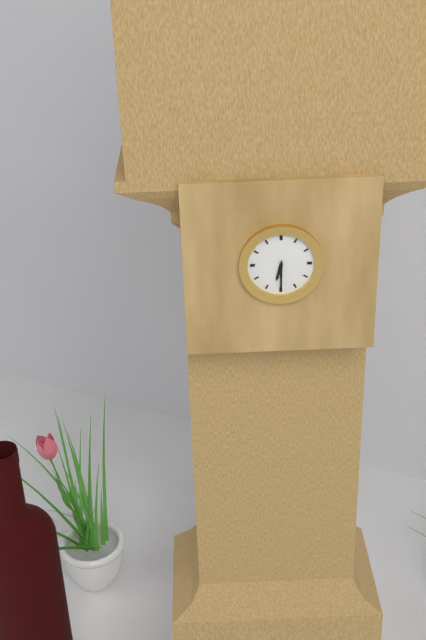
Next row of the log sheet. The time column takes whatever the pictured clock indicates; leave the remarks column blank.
6:30
